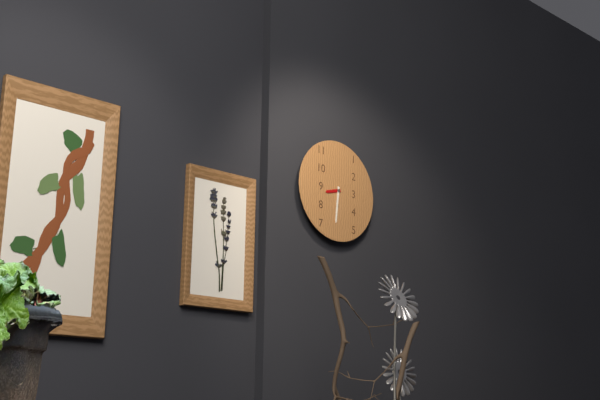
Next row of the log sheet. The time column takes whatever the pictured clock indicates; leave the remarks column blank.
8:31
